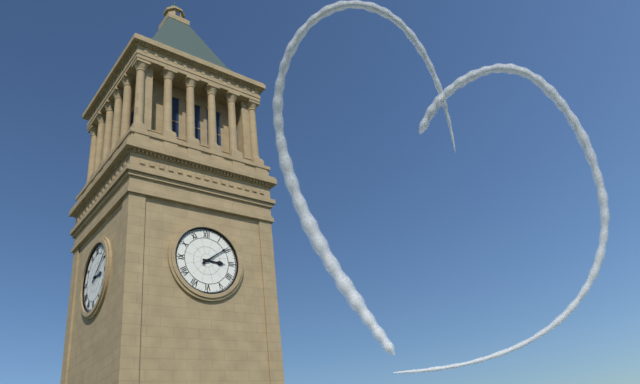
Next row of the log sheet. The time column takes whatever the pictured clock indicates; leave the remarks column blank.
3:09
